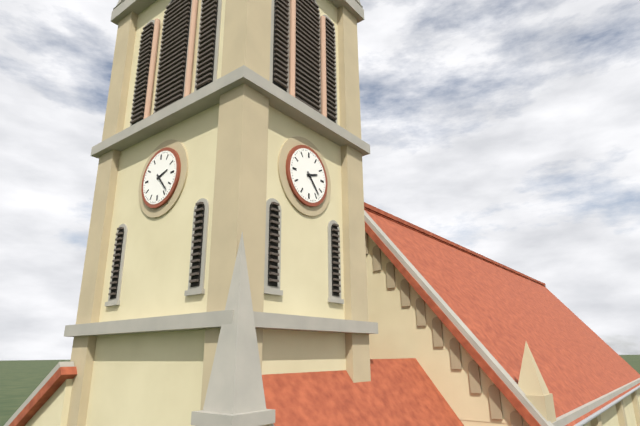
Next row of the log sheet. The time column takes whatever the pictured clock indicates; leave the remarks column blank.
2:23
